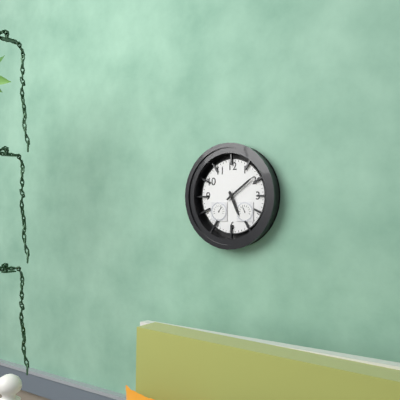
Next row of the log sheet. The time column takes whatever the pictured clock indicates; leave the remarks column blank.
5:09
